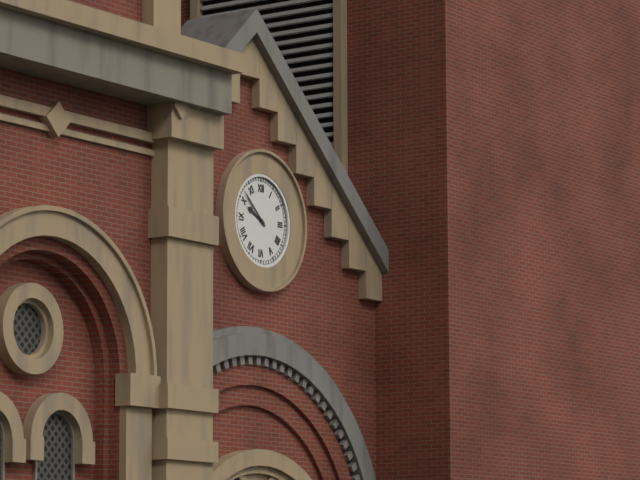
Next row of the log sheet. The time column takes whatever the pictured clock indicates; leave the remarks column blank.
9:52
